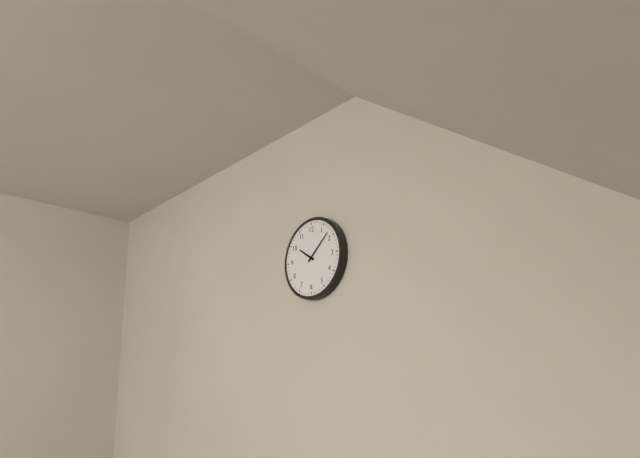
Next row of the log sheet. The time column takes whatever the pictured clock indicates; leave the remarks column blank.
10:08
